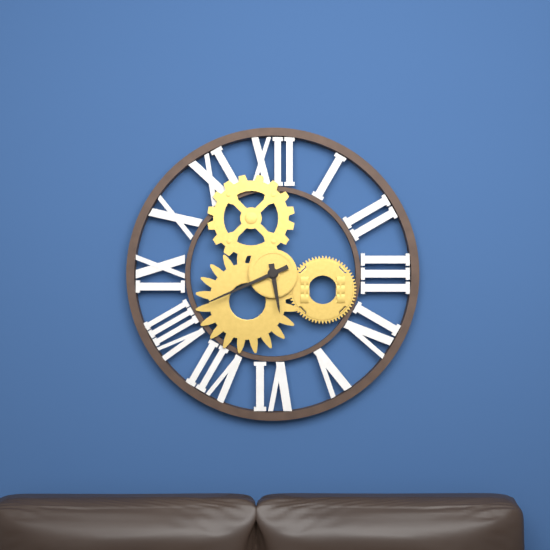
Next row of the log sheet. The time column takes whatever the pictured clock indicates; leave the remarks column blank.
5:41
